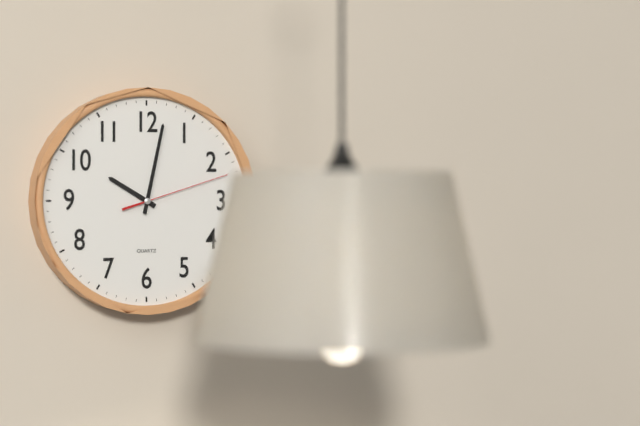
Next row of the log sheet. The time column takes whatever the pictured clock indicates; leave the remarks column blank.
10:02:12
